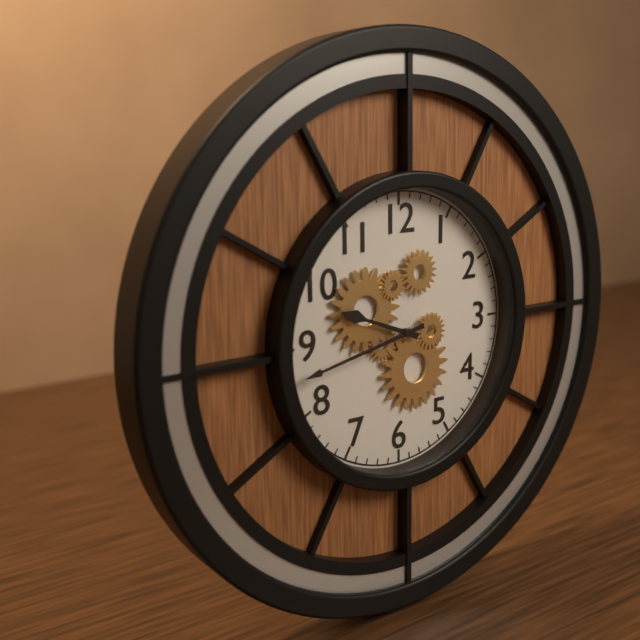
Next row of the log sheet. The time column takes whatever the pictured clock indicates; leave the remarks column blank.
9:43
